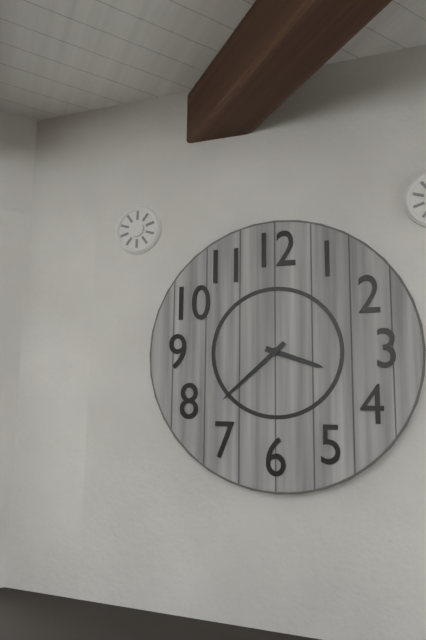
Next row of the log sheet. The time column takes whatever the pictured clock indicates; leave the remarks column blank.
3:38
